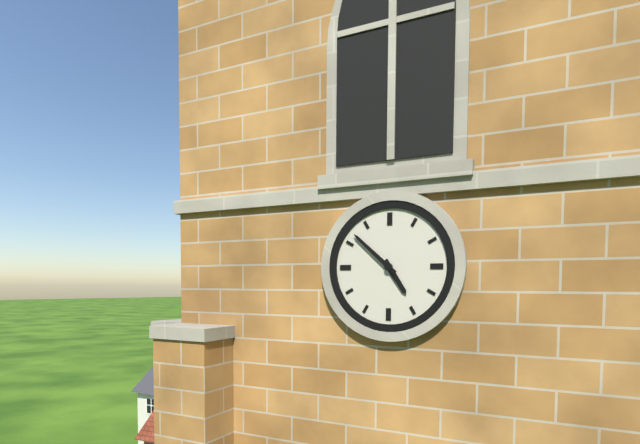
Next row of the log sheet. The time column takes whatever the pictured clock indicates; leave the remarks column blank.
4:52
